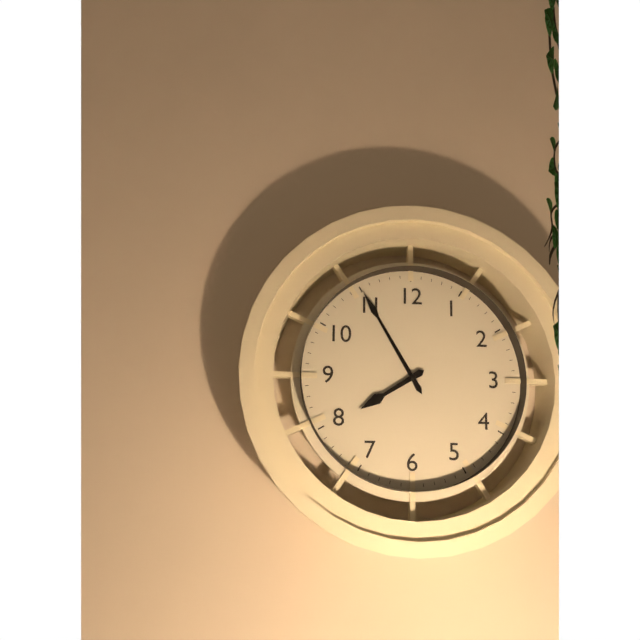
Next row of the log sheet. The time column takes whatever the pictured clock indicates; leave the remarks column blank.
7:55
